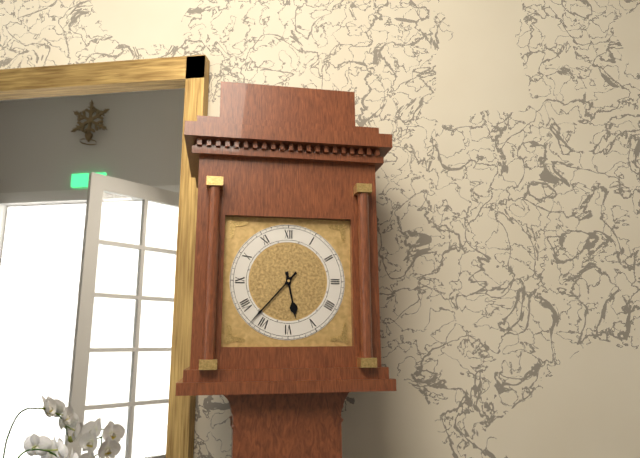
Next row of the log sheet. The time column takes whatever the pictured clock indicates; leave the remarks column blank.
5:37
